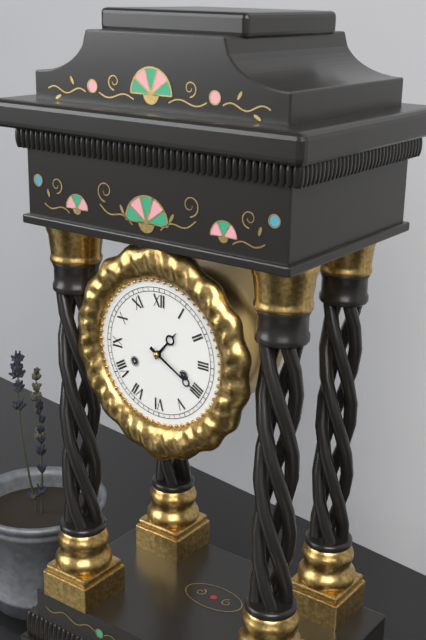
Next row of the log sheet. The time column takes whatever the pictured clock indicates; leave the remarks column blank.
1:20
